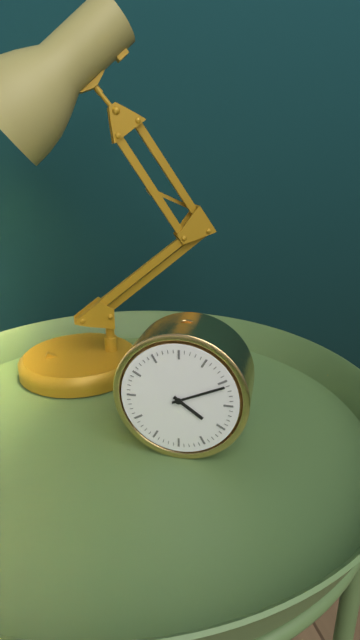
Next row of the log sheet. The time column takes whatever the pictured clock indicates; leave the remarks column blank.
4:11
